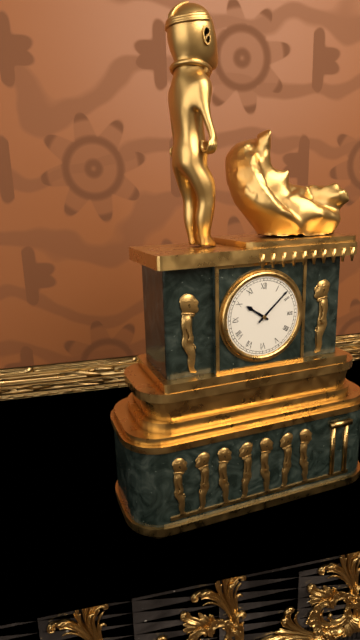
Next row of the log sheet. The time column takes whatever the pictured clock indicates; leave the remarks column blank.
10:08
